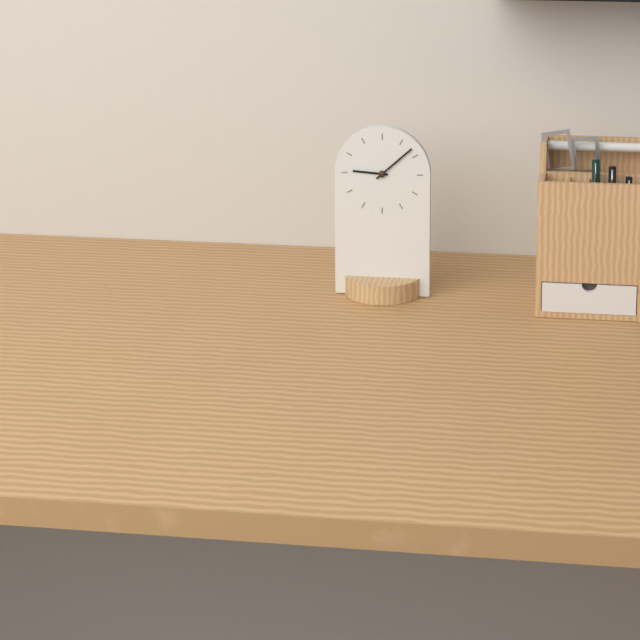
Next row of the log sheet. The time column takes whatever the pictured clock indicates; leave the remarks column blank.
9:08
